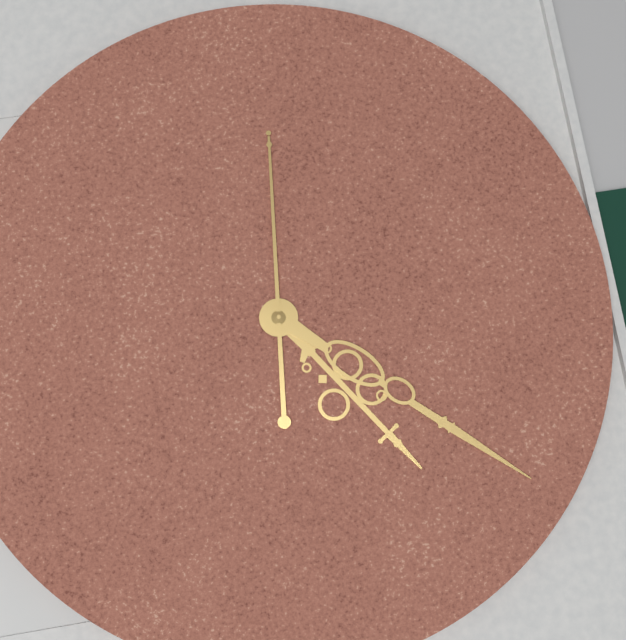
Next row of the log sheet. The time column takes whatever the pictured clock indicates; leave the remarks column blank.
10:52:31
